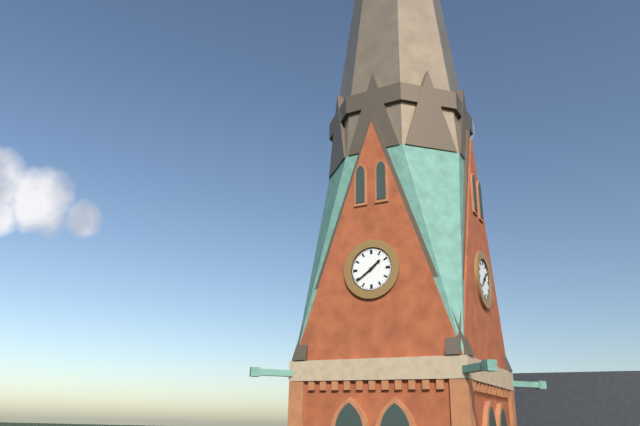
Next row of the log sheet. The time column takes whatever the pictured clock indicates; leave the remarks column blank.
1:39
